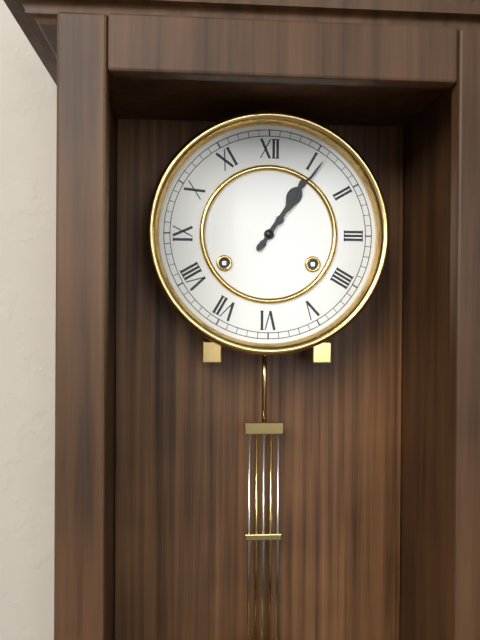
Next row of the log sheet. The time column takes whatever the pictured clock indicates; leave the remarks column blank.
1:06
